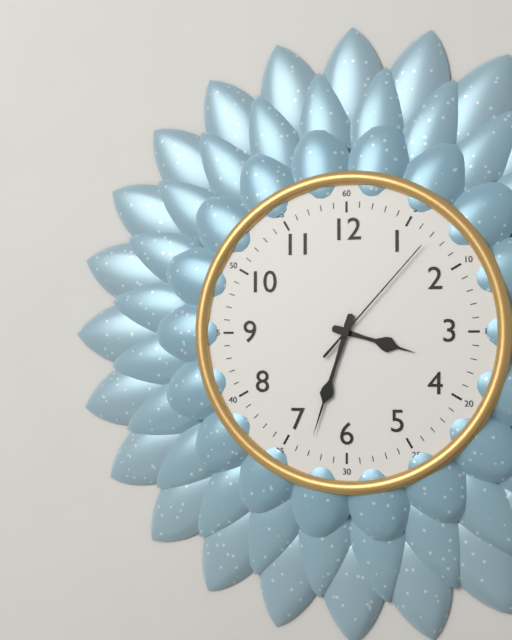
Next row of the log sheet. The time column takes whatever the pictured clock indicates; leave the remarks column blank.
3:33:07
